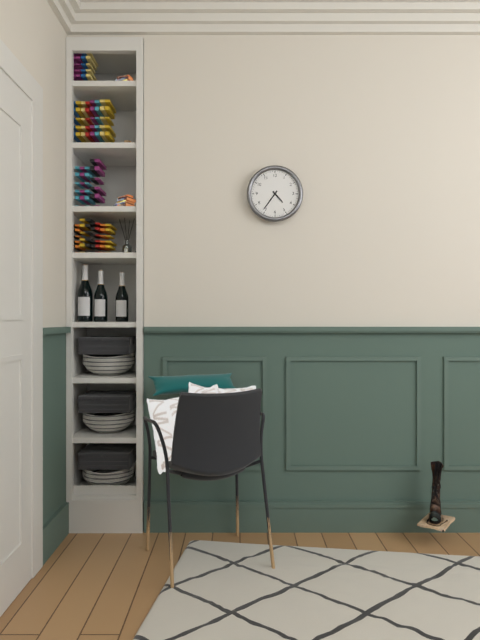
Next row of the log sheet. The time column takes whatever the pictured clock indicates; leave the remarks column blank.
4:36
